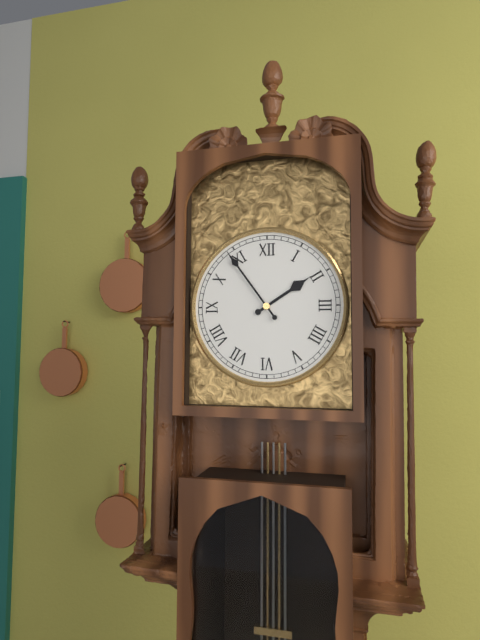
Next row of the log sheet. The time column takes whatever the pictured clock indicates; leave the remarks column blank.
1:54
